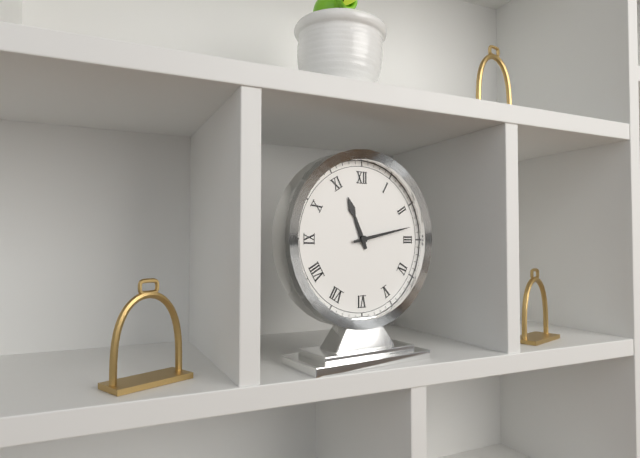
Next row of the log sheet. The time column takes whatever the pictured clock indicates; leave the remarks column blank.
11:13
